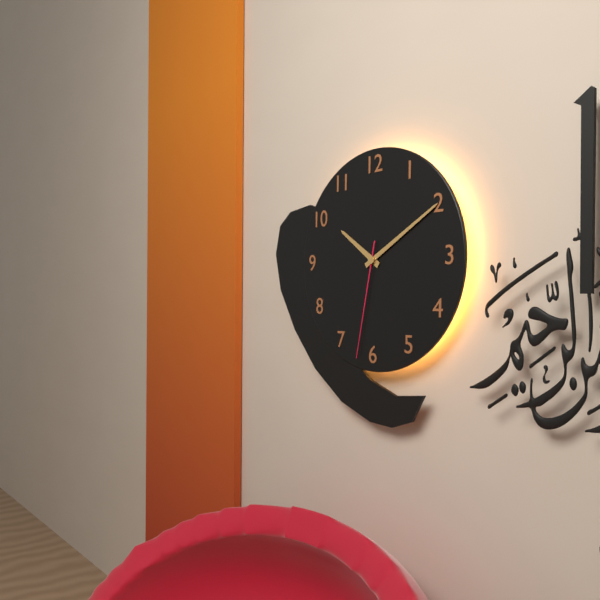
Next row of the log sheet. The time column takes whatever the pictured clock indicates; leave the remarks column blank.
10:10:32
